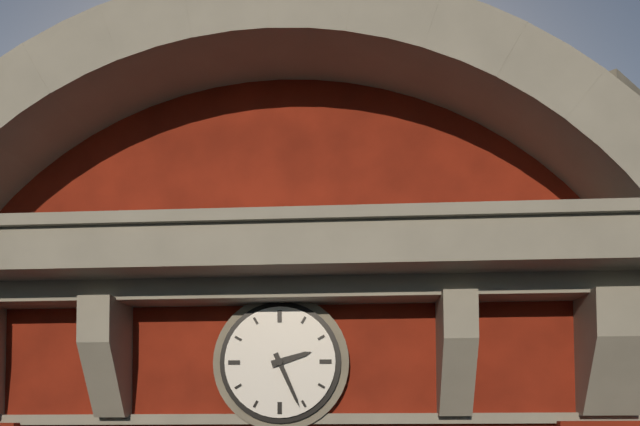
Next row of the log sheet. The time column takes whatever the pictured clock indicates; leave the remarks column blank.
2:26
